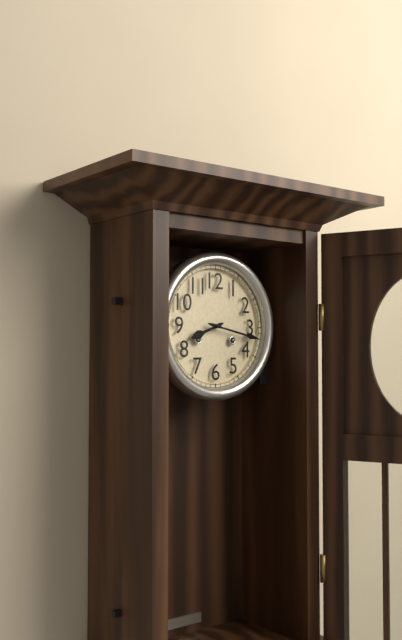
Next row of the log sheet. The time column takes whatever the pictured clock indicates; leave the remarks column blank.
8:17
